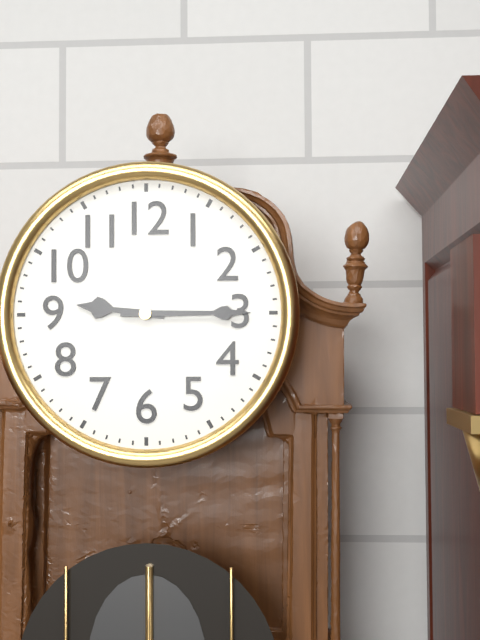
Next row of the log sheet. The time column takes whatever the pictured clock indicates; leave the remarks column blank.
9:15
